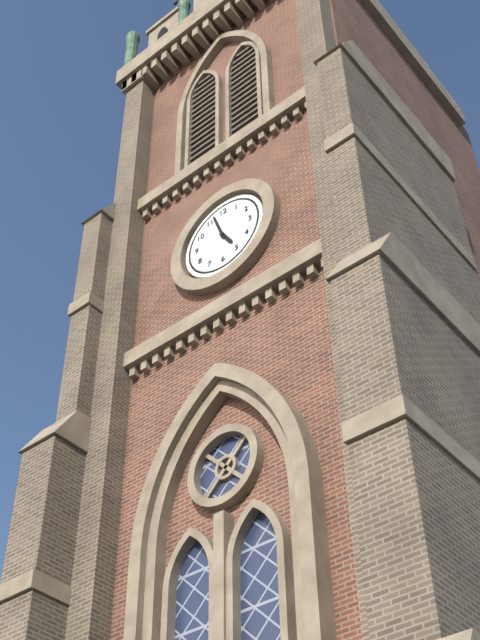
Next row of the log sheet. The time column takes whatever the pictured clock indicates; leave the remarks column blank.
4:57
